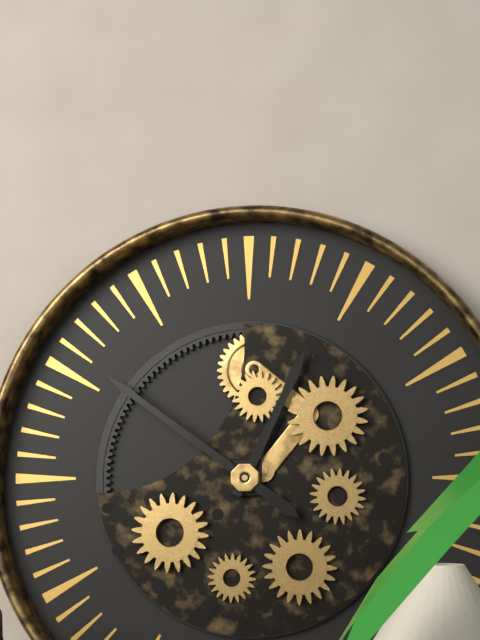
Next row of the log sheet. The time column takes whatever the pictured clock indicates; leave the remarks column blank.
12:51
